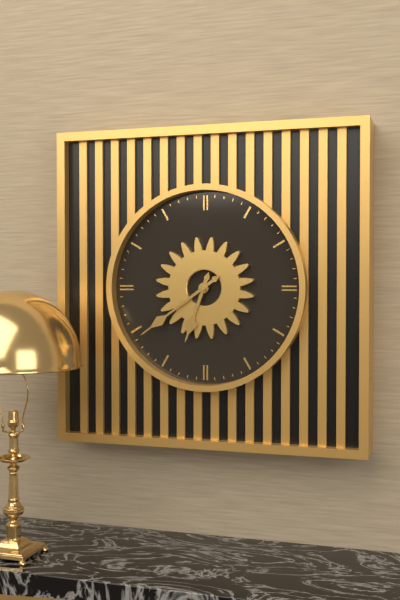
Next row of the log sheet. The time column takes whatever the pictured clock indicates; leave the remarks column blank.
6:39
